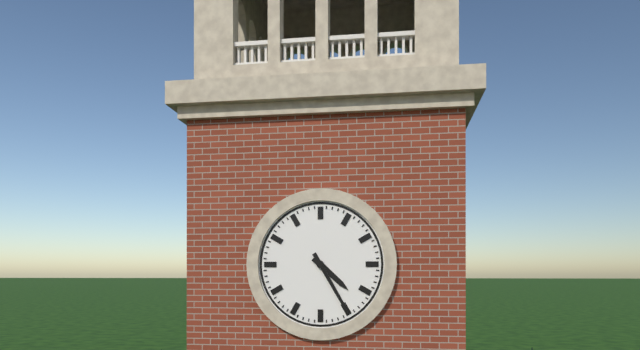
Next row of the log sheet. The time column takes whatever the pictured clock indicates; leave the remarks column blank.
4:25
